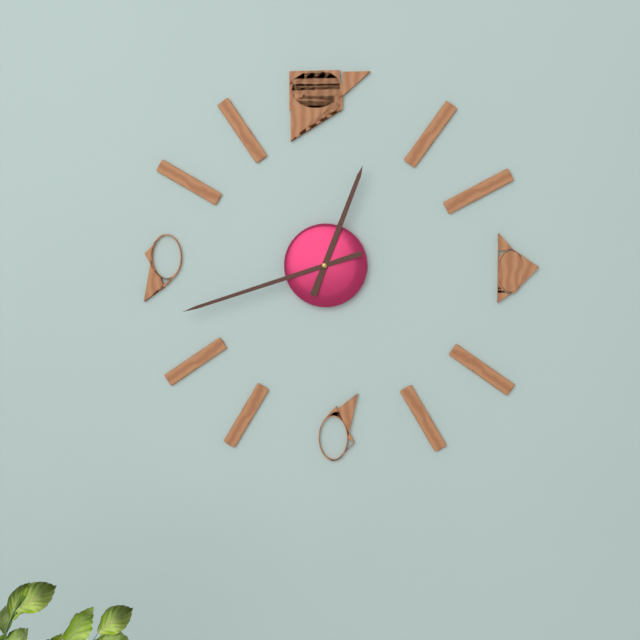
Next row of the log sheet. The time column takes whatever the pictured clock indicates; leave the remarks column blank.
12:42
